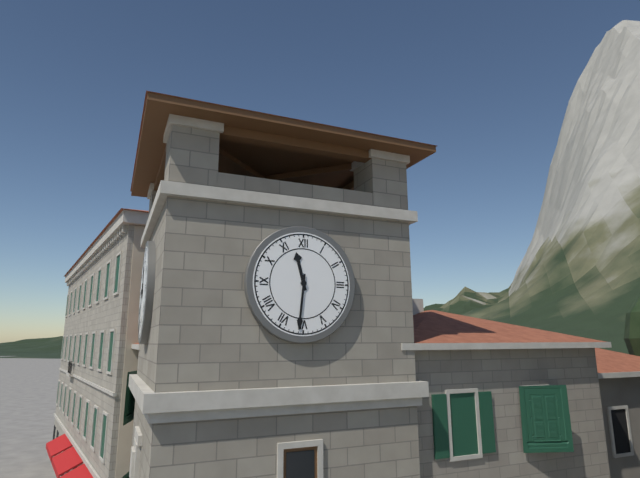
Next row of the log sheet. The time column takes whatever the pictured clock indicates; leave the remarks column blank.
11:31
